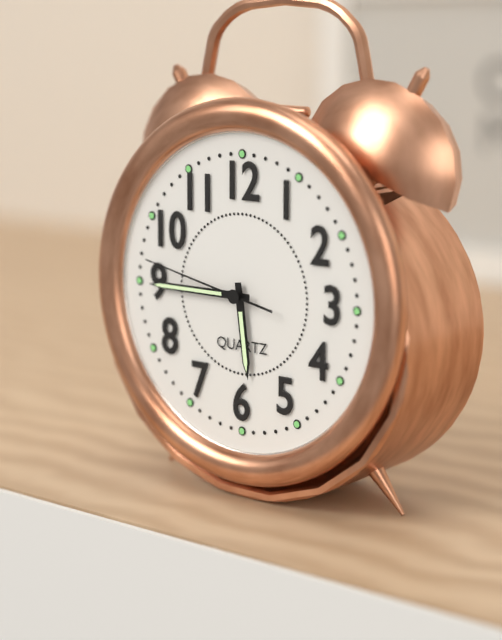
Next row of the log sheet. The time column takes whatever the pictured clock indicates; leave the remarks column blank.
5:45:47
